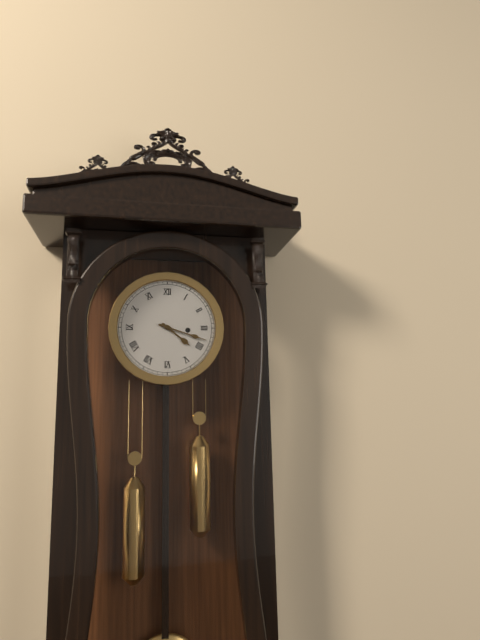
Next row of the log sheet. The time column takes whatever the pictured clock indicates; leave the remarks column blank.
4:18
